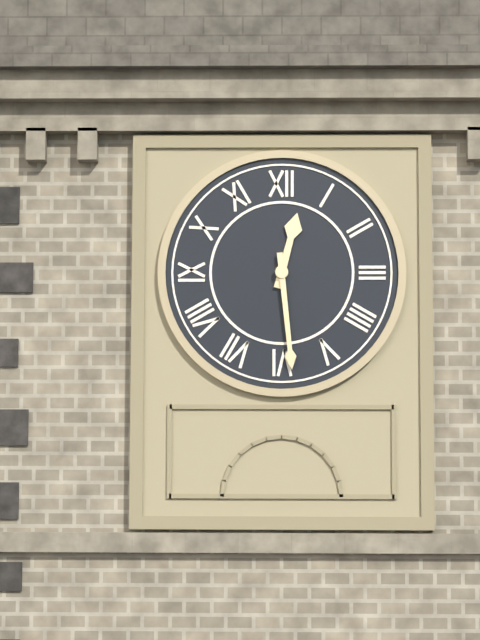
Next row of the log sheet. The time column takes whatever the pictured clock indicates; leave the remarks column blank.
12:29
